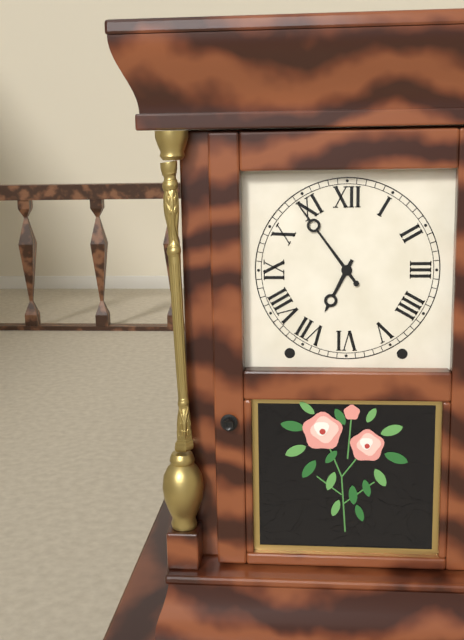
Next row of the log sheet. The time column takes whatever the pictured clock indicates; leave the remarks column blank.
6:54
